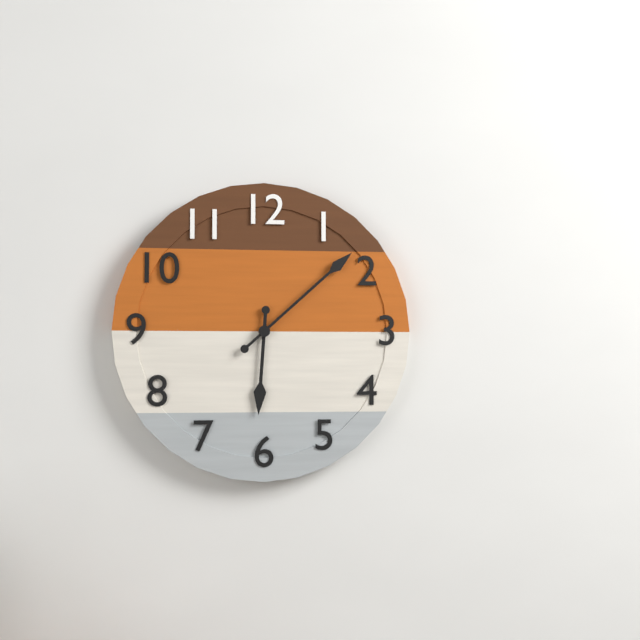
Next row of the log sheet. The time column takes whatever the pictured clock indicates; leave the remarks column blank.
6:08
